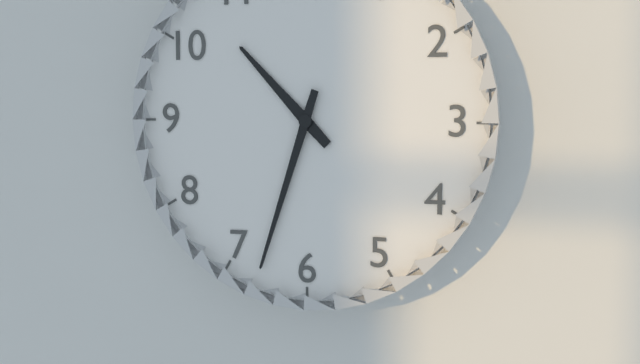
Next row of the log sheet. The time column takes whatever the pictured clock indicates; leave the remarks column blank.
10:33
